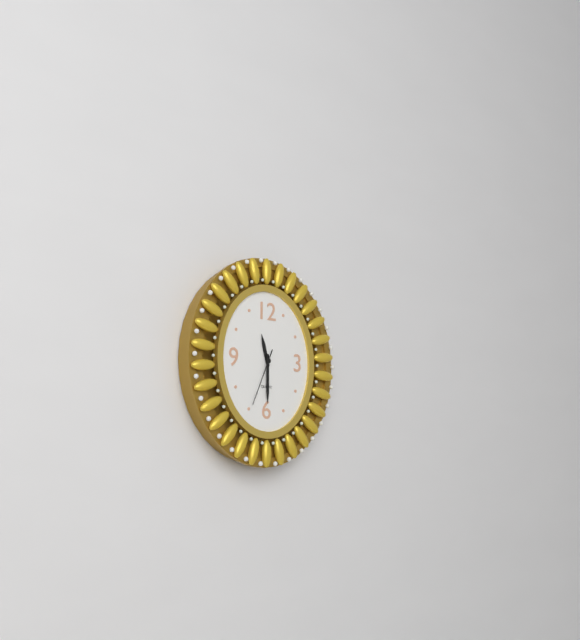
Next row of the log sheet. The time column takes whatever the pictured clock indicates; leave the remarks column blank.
11:30:34
